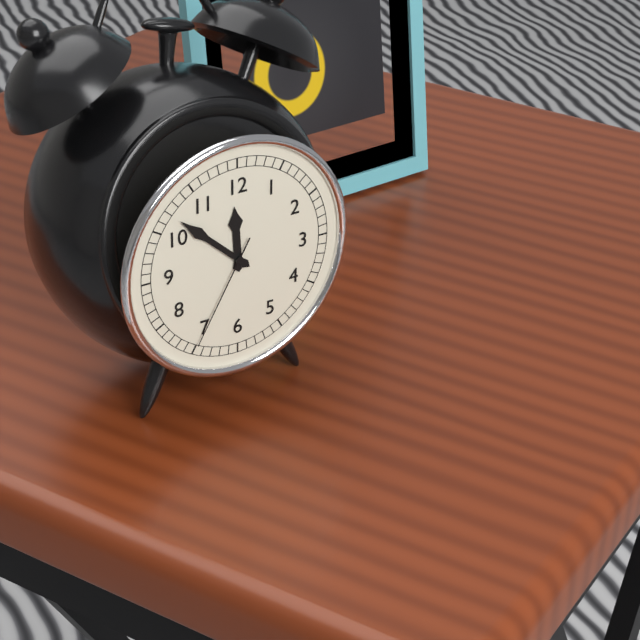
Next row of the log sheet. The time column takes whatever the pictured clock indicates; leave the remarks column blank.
11:52:35
